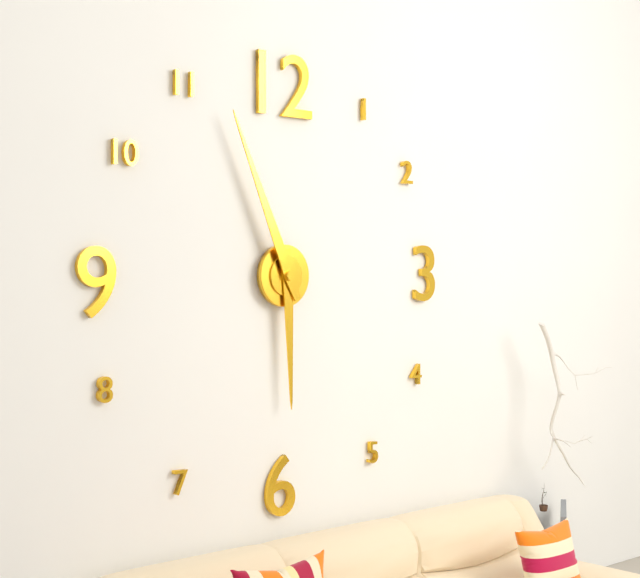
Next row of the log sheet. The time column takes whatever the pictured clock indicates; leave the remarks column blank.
5:56
